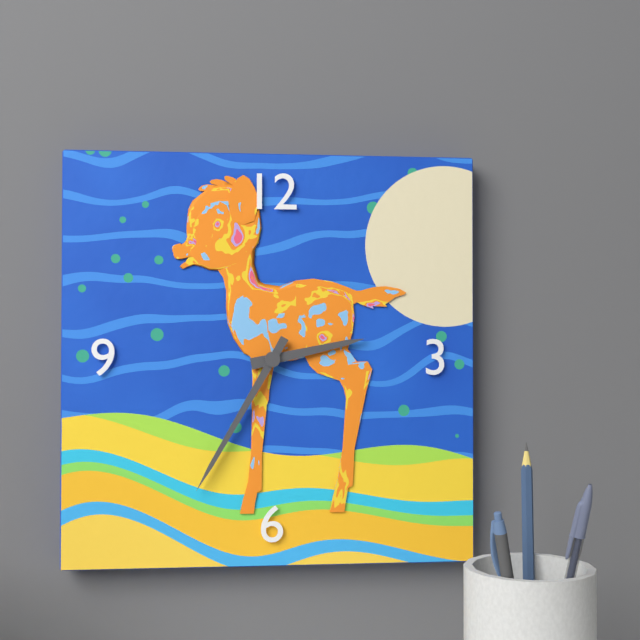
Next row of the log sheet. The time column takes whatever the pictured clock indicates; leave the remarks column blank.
2:35
